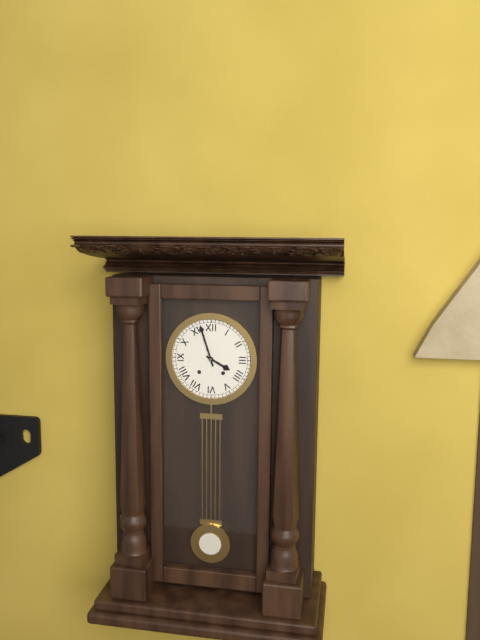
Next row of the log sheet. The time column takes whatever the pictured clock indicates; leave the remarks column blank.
3:57
